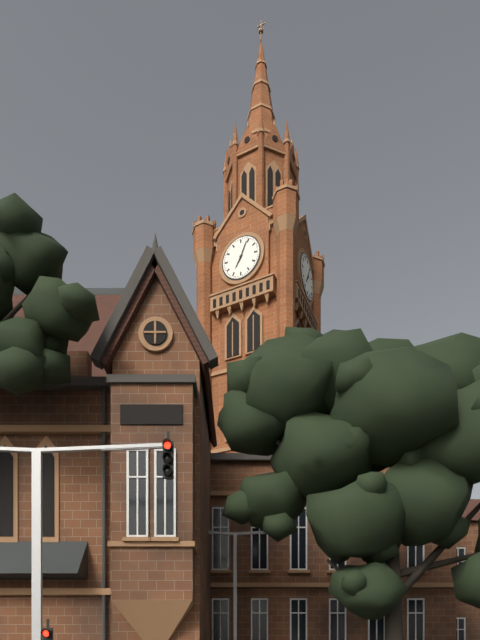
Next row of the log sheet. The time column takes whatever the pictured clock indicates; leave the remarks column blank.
7:04
